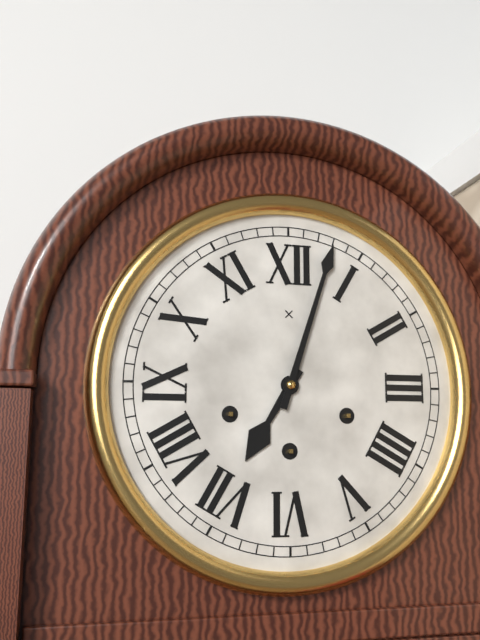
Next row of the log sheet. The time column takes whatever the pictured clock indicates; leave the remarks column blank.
7:03
